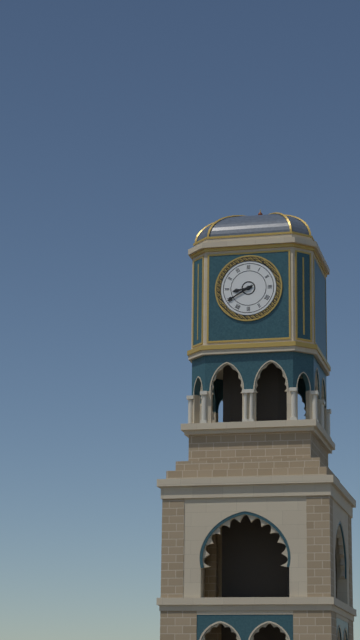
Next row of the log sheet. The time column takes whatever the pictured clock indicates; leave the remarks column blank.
8:40
